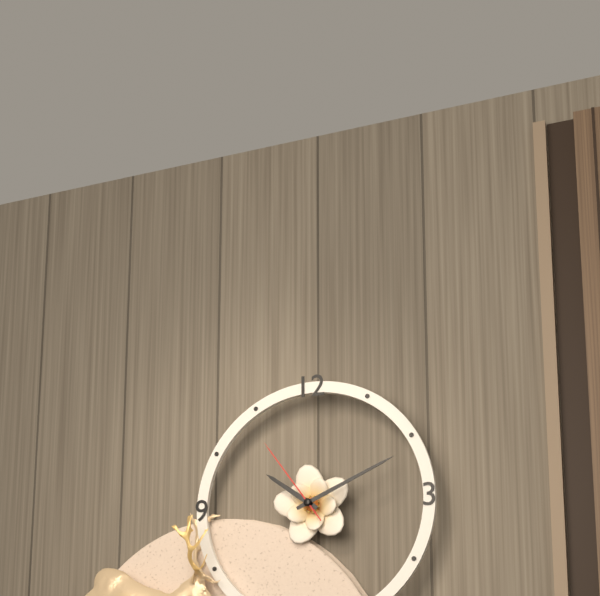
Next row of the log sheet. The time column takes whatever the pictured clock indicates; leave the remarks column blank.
10:11:54
